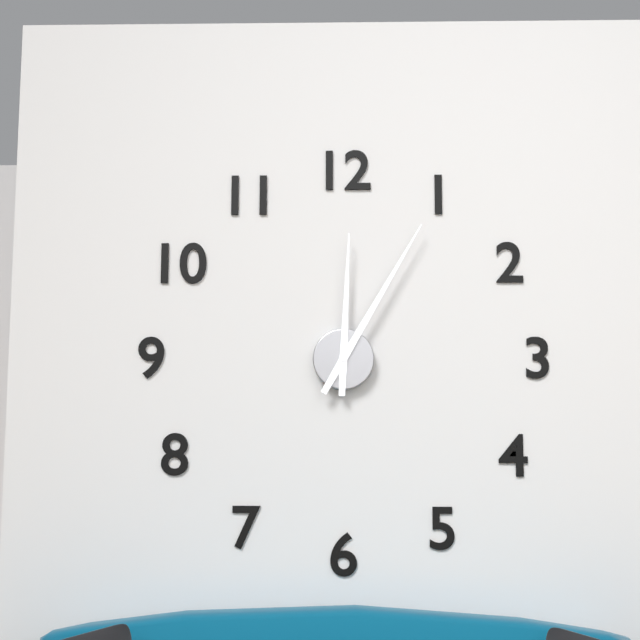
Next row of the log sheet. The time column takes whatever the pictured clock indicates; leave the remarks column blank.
12:05
